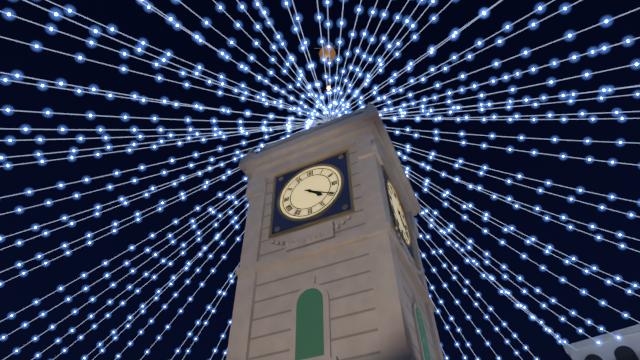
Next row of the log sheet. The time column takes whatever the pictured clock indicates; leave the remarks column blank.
4:20
